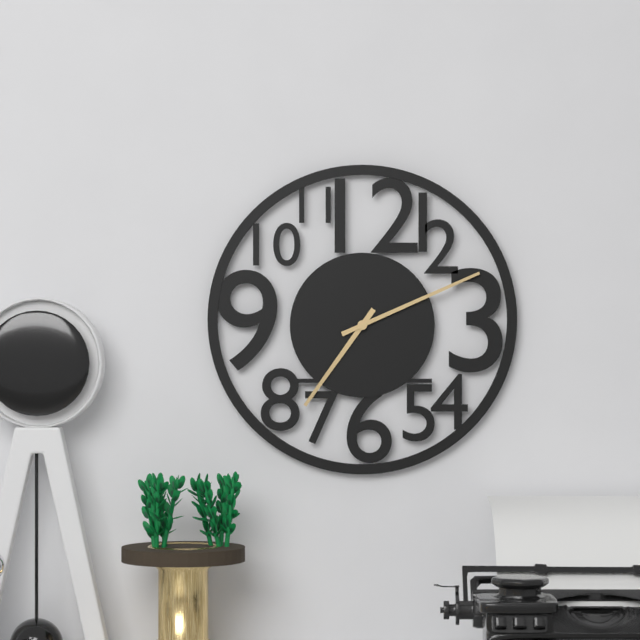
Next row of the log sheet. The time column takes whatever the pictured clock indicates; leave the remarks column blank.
7:11
